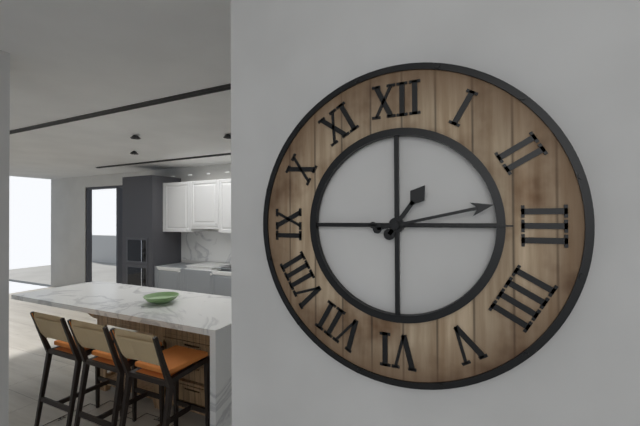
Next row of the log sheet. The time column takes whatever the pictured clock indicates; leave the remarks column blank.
1:13:15
